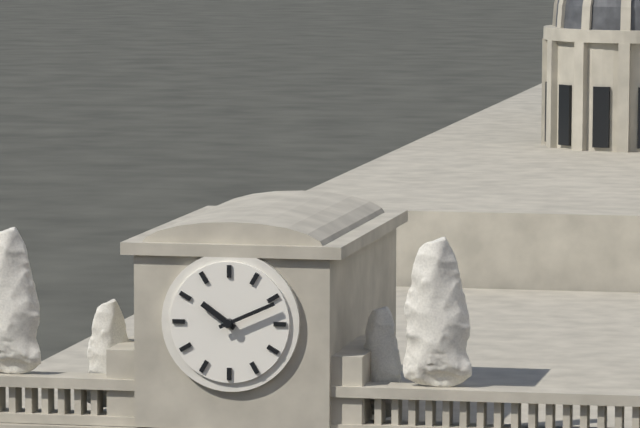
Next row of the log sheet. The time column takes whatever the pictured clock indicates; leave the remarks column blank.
10:11
